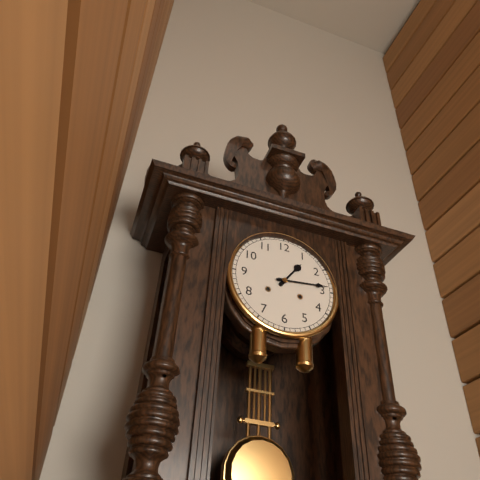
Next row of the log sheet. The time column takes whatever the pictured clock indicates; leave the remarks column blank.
1:14
